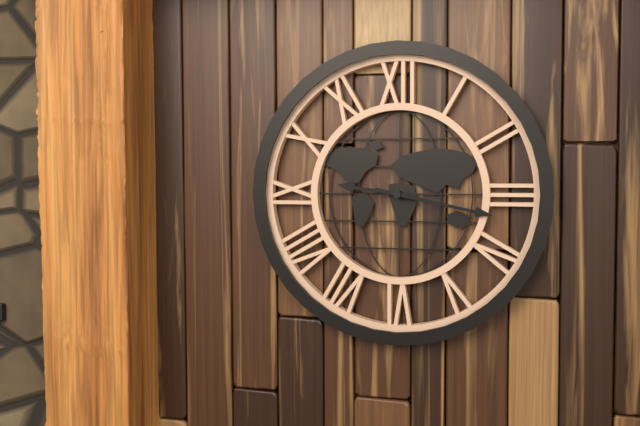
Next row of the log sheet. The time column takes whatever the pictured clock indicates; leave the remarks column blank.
9:17
